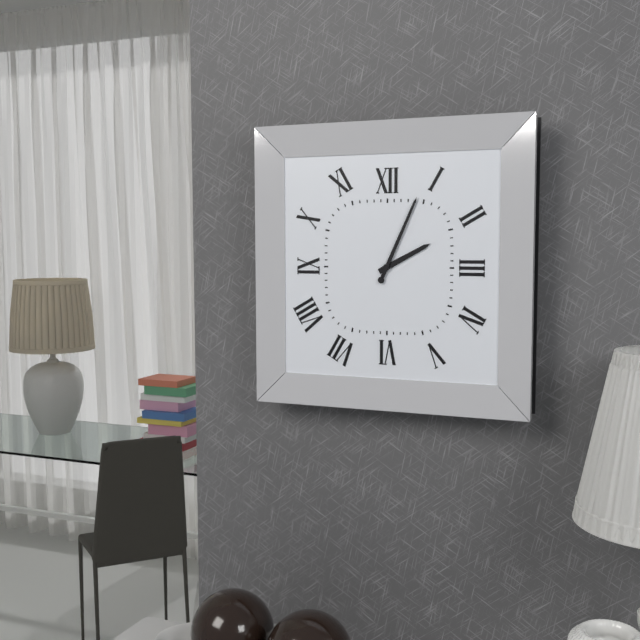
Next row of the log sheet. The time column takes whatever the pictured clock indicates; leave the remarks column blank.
2:04
